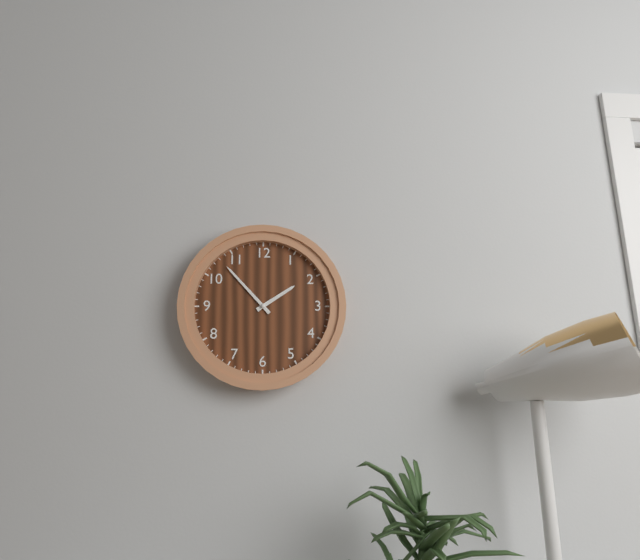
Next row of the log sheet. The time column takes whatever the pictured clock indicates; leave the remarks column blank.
1:53
